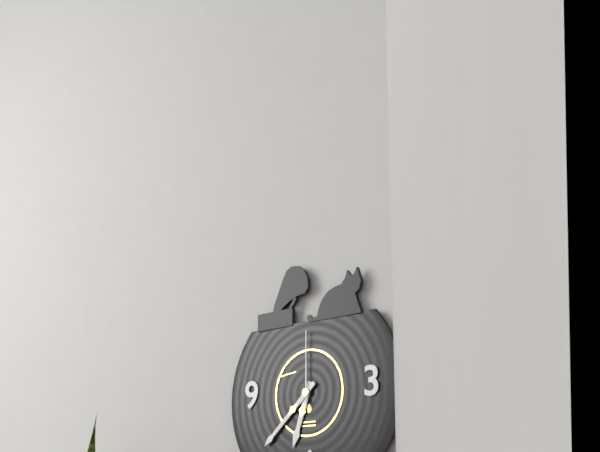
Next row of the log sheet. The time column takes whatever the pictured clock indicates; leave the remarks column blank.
6:38:00
